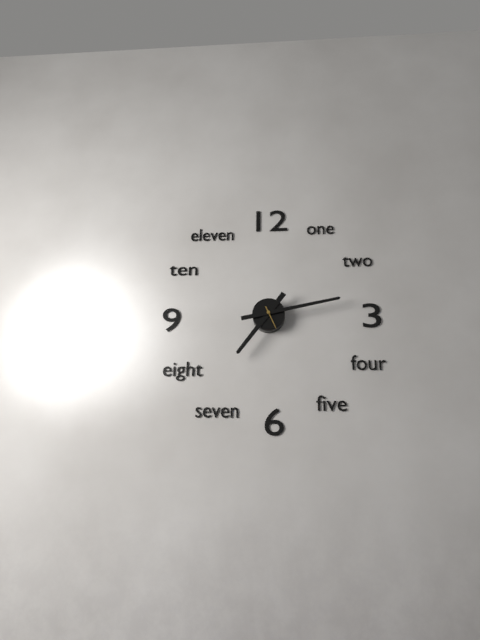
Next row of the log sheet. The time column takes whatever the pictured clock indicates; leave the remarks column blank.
7:13
